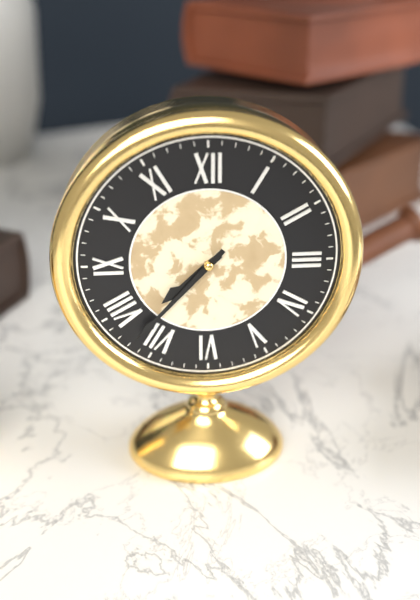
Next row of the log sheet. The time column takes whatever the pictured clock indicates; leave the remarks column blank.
7:37
